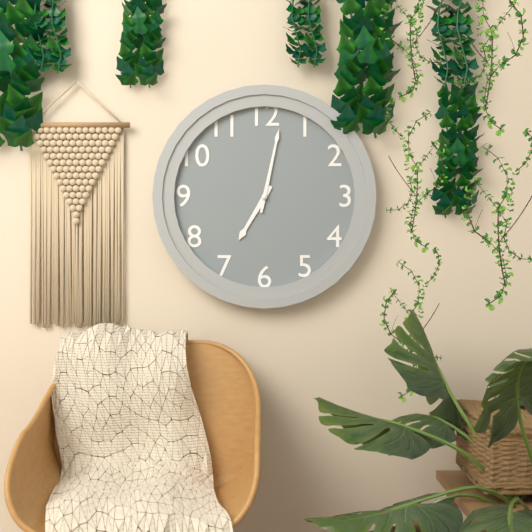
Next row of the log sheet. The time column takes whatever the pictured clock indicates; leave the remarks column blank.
7:02
